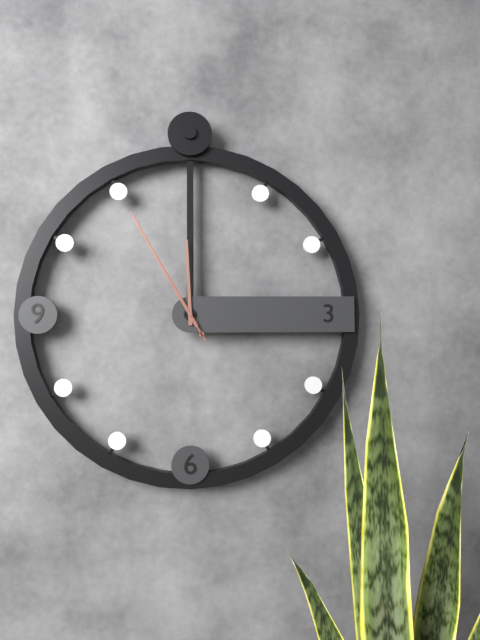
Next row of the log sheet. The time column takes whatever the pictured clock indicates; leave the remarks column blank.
11:55:55
